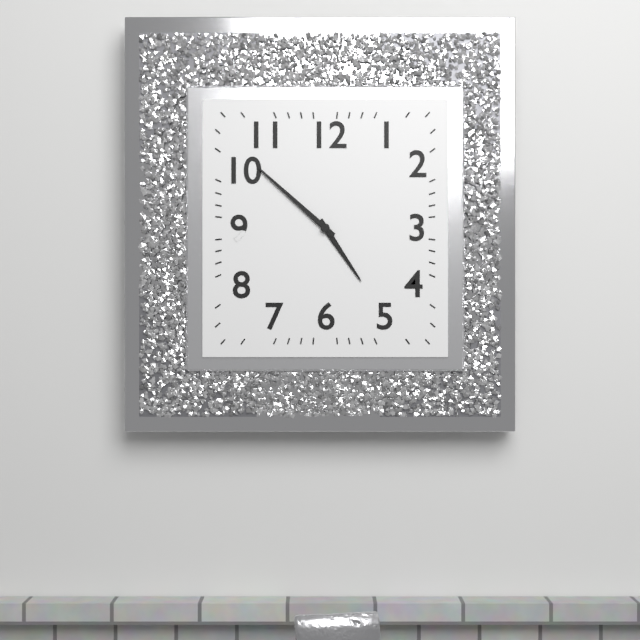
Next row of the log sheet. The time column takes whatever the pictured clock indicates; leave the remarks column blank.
4:52
